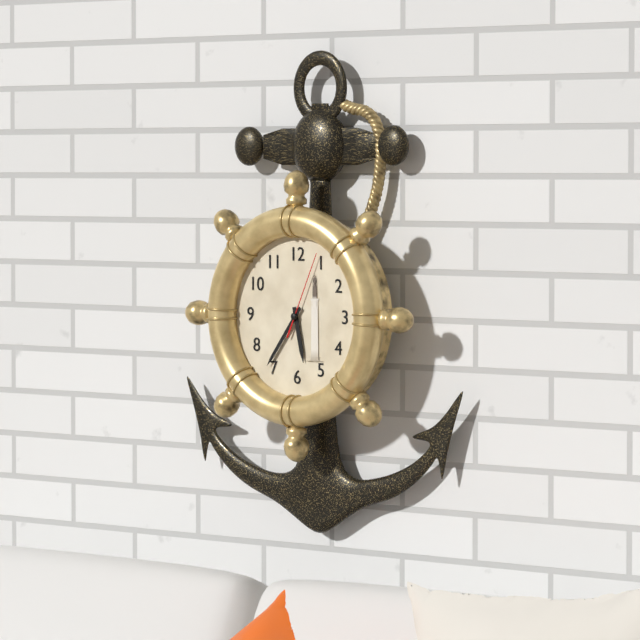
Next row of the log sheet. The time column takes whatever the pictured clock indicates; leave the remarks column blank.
5:36:04
